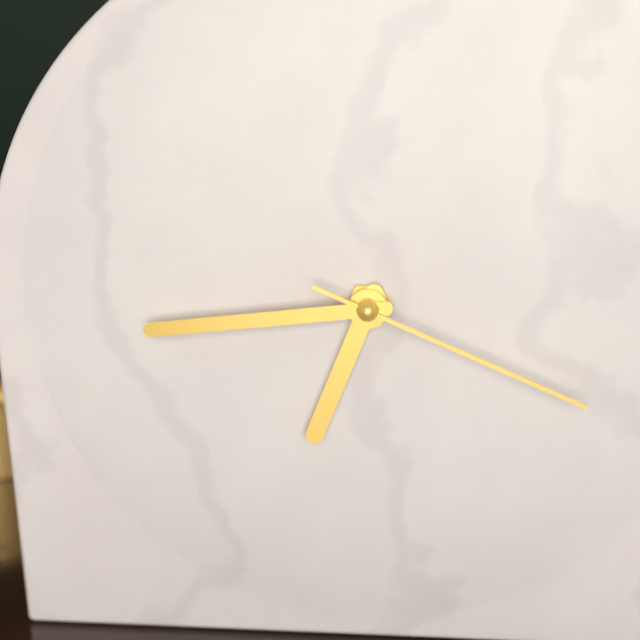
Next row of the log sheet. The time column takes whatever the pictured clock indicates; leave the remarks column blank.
6:44:19
